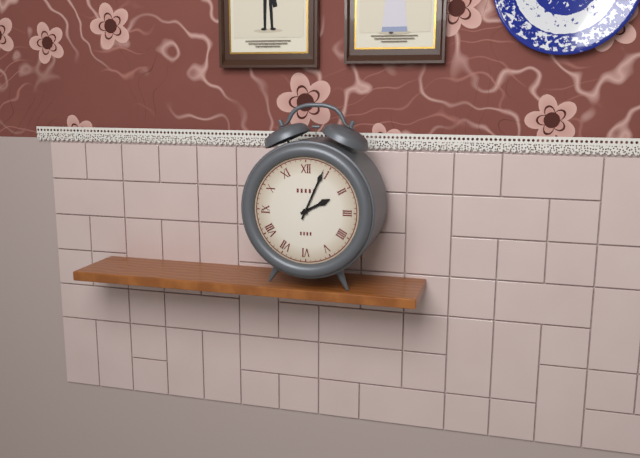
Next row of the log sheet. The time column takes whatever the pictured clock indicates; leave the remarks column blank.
2:04
